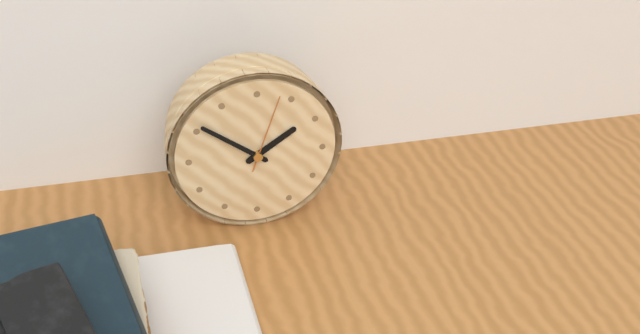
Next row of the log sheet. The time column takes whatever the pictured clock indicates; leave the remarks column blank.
1:51:03
